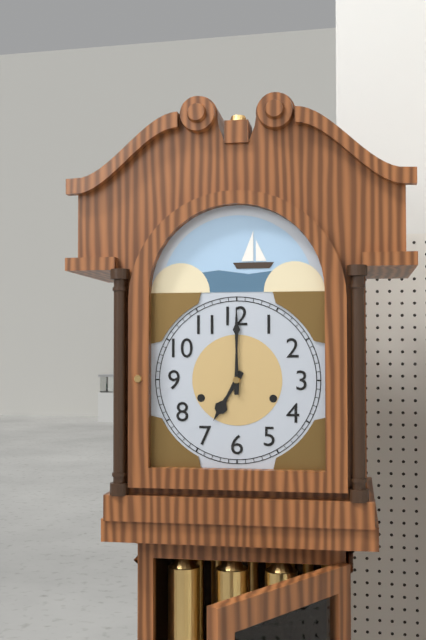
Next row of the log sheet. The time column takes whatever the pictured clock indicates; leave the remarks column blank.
7:00
